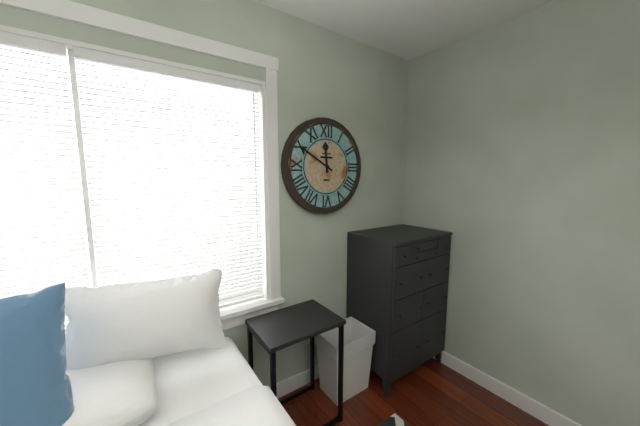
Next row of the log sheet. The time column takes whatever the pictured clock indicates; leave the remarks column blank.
11:50
